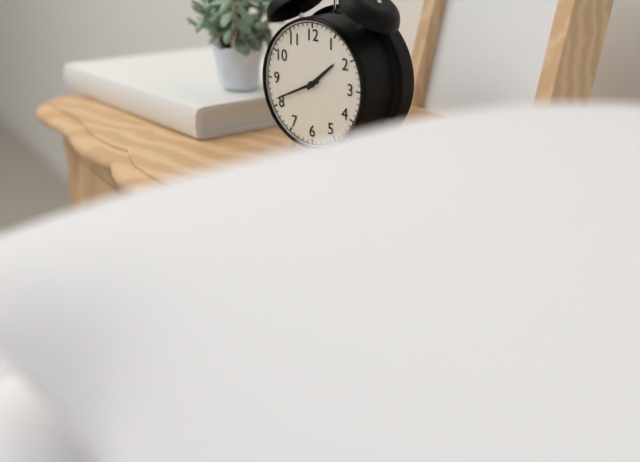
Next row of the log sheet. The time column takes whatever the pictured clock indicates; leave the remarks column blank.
1:41
